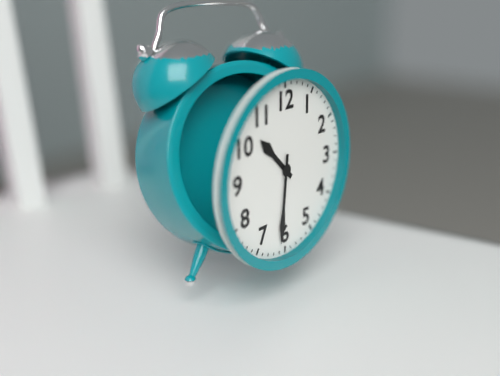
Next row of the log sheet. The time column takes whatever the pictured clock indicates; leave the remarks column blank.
10:31
